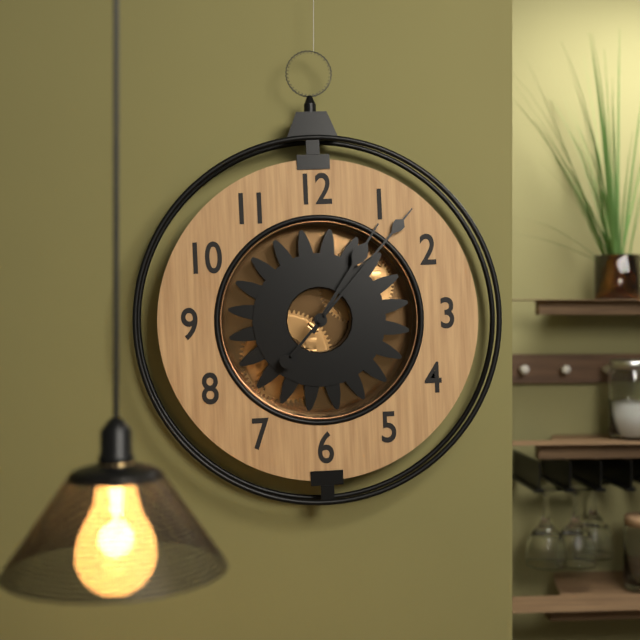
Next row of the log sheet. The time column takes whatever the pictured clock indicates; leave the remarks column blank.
1:07
